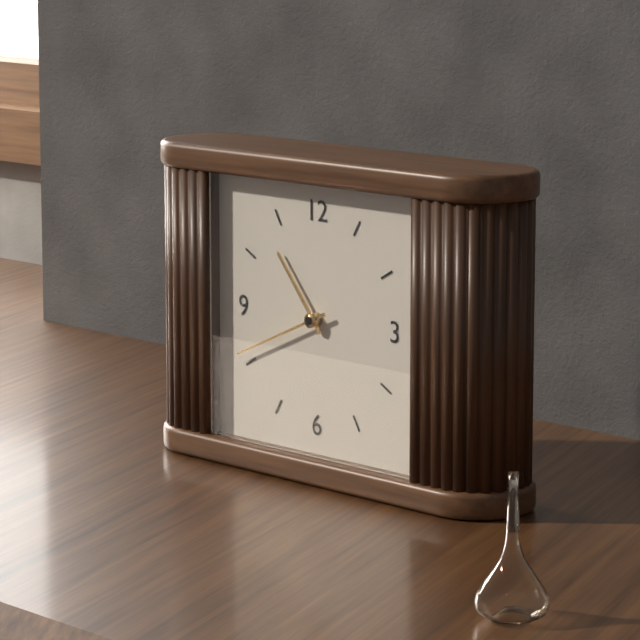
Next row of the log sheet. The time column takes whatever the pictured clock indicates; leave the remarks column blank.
10:41
